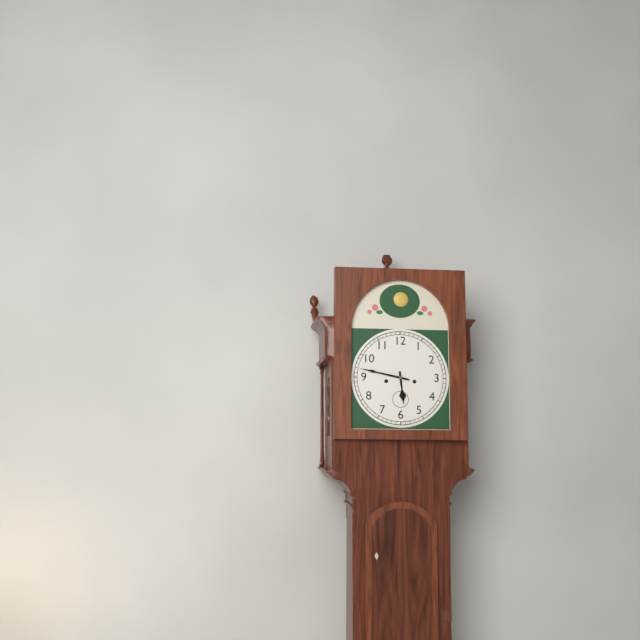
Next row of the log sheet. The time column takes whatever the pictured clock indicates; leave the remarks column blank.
5:47
